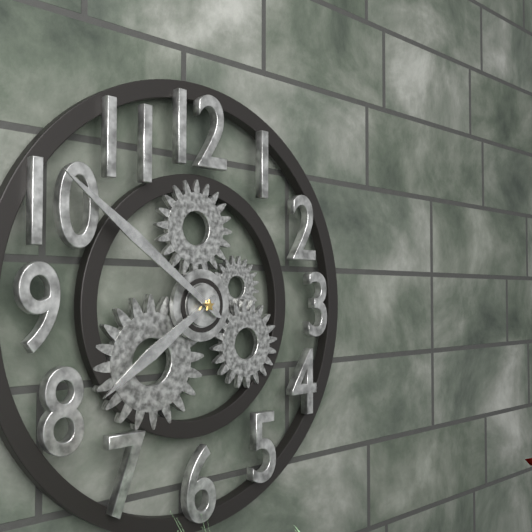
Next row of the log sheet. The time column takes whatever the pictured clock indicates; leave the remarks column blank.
7:51
